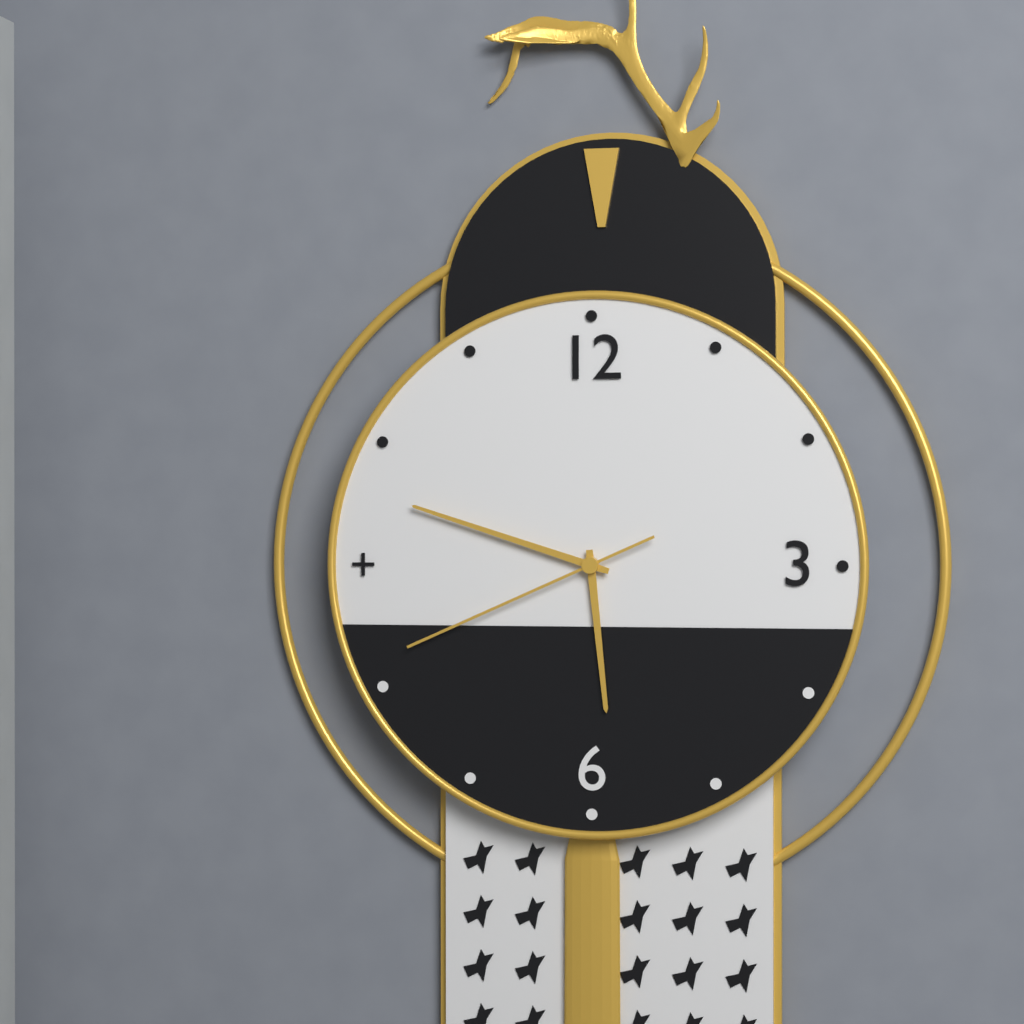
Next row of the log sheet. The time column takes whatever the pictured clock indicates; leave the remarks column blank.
5:48:41
